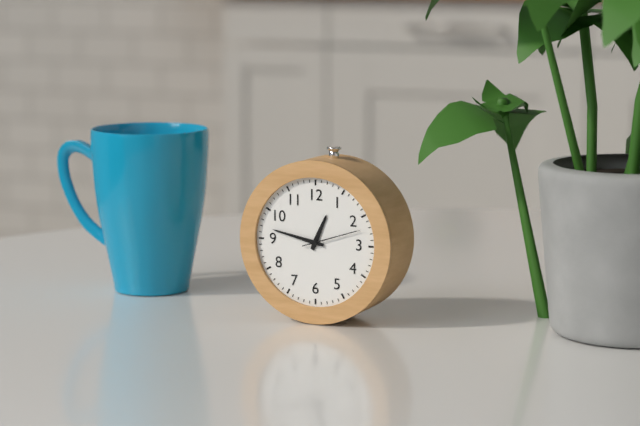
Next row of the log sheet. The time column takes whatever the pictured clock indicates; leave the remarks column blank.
12:47:12
